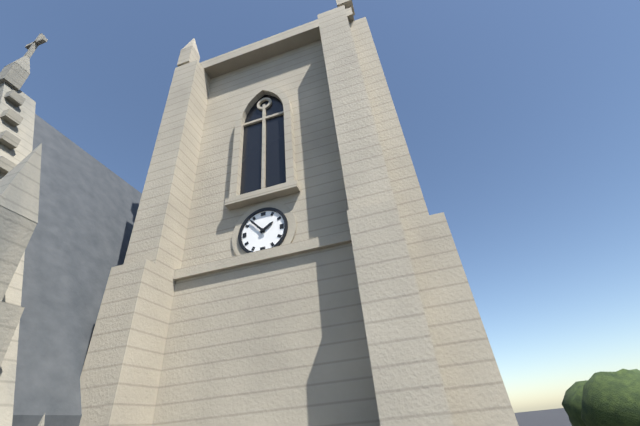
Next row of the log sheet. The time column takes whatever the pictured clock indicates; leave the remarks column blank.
1:53
